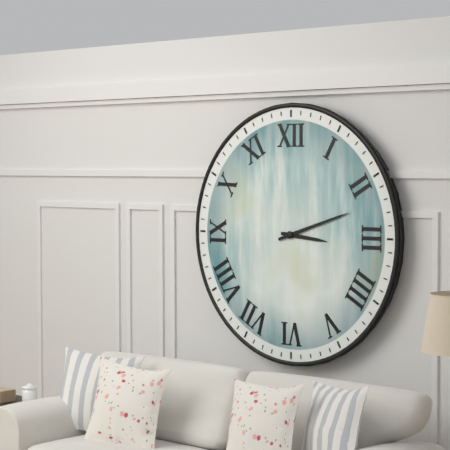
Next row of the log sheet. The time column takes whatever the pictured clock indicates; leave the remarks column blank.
3:12
